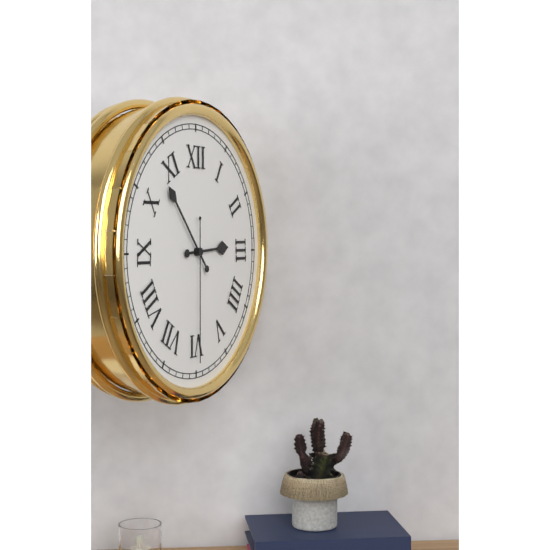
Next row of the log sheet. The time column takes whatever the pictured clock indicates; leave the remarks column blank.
2:53:30
